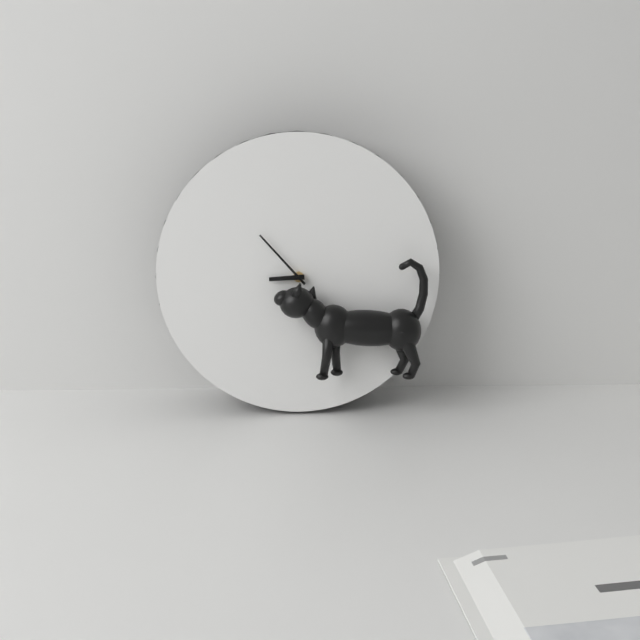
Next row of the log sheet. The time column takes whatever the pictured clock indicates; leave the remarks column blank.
8:53
